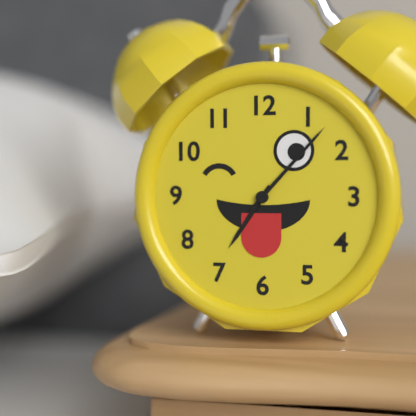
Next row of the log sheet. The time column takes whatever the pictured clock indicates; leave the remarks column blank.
7:07
